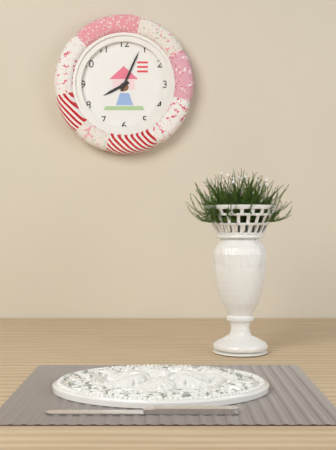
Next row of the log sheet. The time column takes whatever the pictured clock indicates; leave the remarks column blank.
8:04
